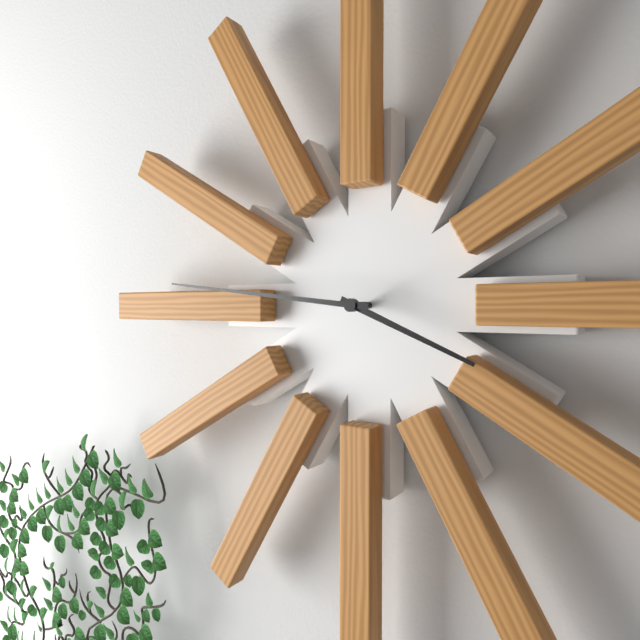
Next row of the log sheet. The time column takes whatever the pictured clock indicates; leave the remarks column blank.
3:46
